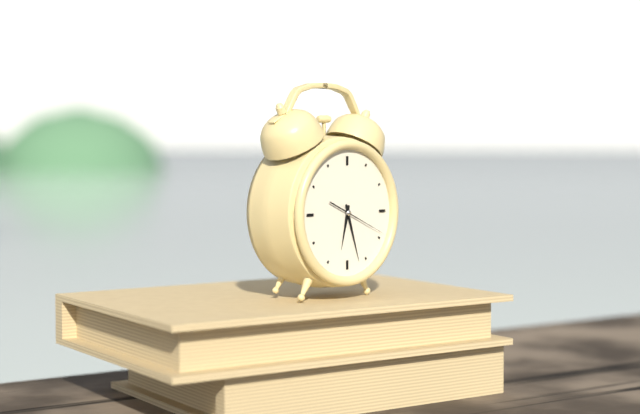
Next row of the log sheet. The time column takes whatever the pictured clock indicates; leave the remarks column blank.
6:27:19
